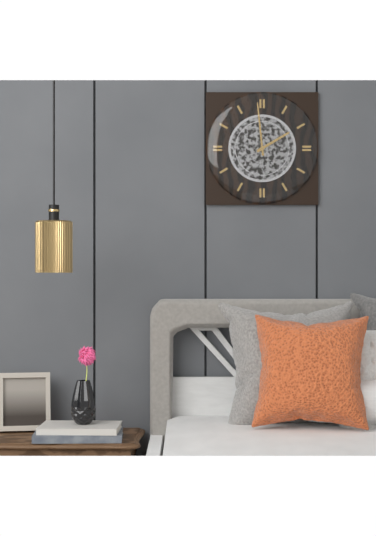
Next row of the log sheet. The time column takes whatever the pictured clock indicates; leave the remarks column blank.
1:59
